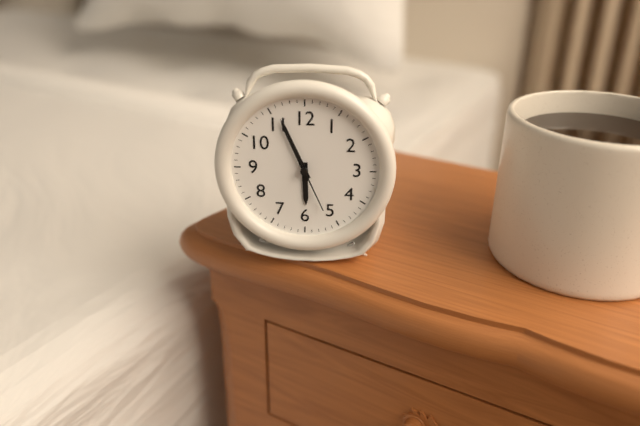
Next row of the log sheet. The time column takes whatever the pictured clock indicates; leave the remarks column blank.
5:56:26
